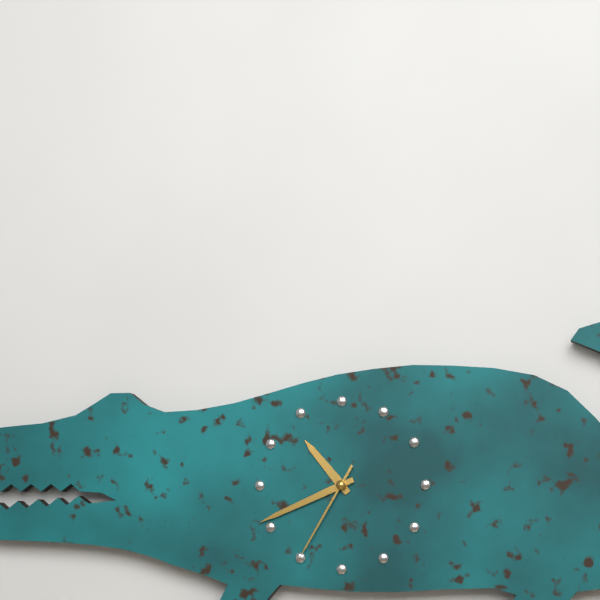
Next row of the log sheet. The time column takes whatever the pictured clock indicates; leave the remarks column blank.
10:41:35
